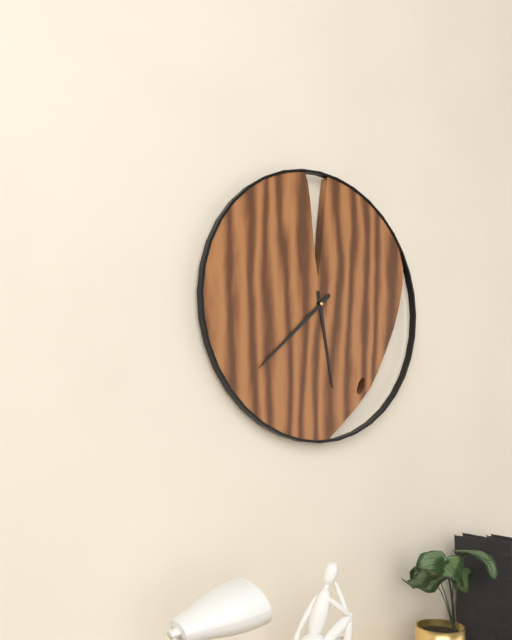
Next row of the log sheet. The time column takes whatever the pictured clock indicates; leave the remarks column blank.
5:38
